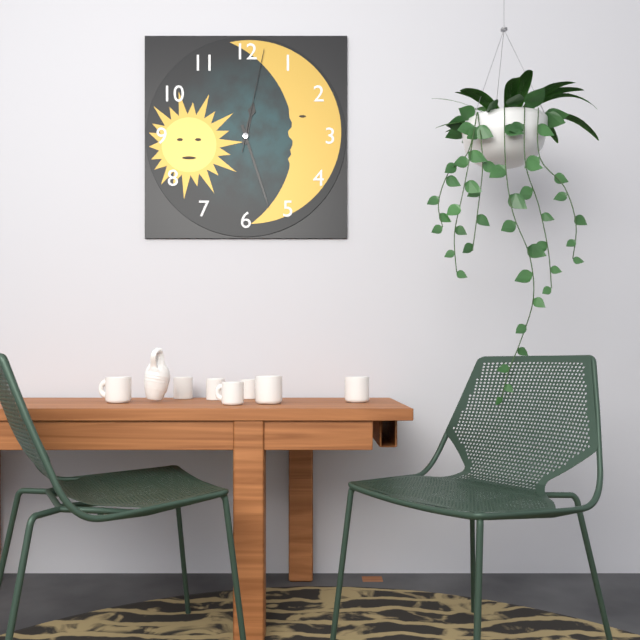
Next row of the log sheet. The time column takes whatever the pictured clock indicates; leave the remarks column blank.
12:27:02
